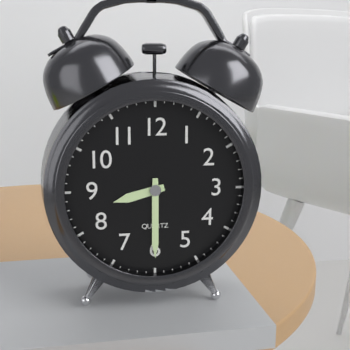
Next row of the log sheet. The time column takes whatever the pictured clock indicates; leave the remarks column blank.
8:30
